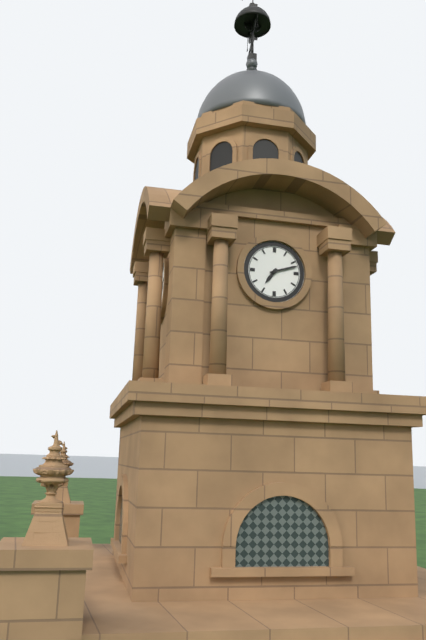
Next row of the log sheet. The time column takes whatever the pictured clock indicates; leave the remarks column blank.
7:12
